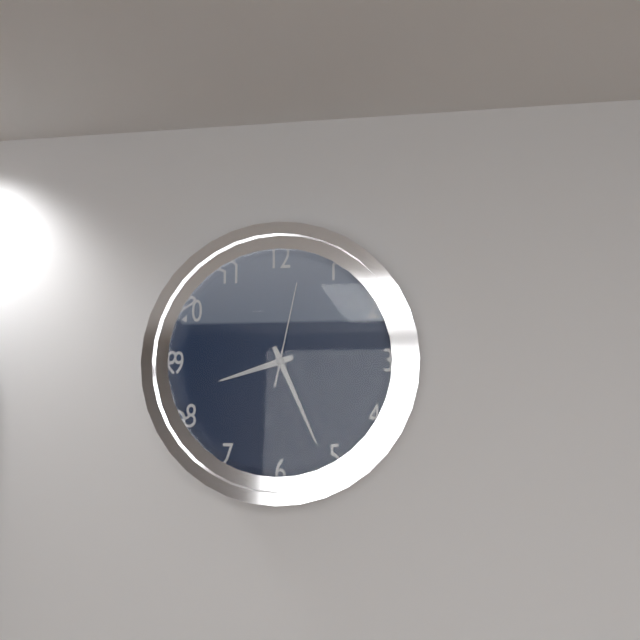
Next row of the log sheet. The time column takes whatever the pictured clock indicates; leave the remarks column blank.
8:26:02
